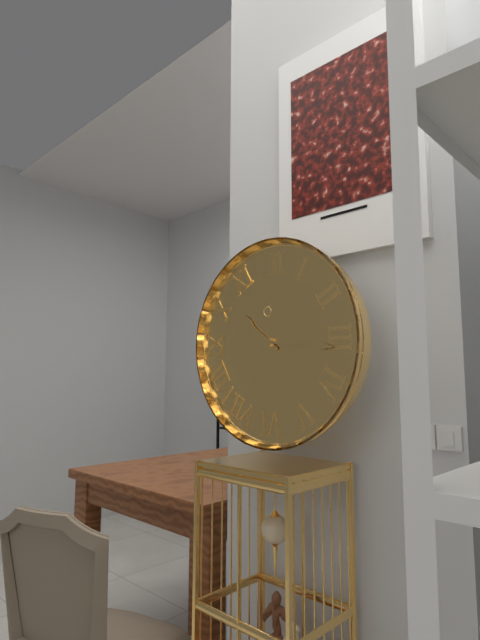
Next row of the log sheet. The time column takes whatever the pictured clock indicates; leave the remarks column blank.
10:16
